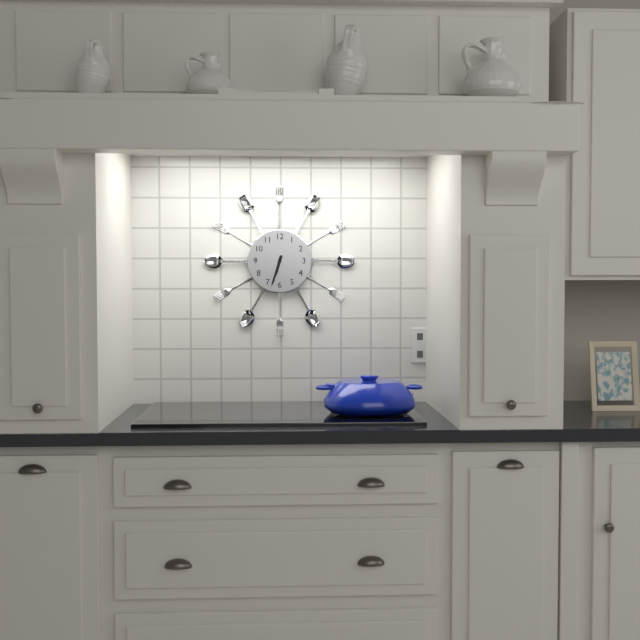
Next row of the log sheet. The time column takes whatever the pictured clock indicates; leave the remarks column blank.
6:33
